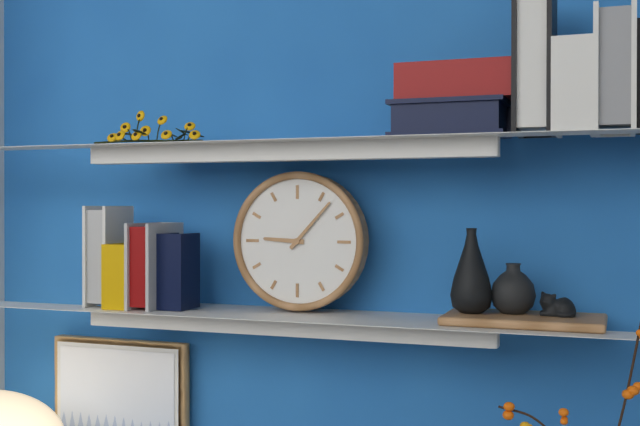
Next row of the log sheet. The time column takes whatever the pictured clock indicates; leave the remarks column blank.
9:07
